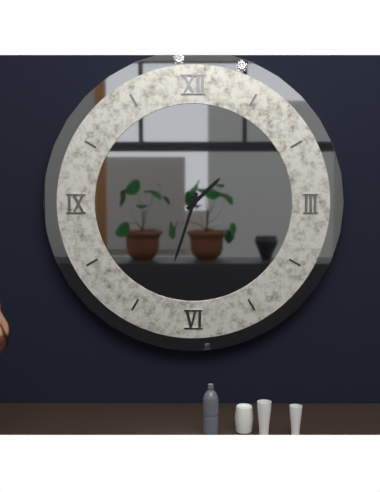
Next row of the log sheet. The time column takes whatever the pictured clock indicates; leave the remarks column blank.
1:33
